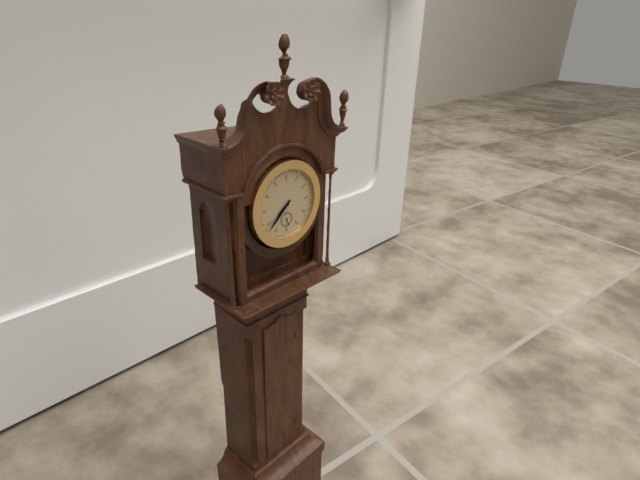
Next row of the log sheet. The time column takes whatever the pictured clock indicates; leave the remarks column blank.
7:38
